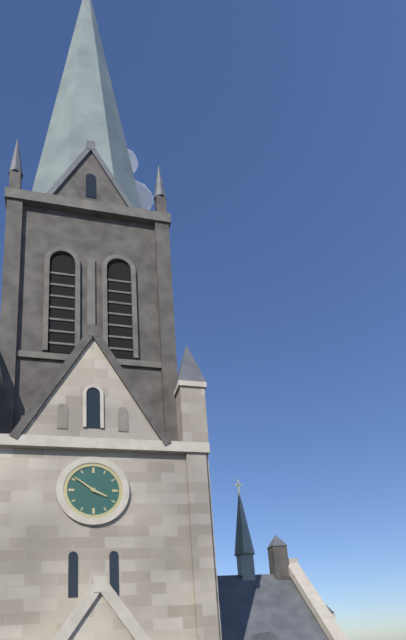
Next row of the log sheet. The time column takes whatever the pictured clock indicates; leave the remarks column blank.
3:51
